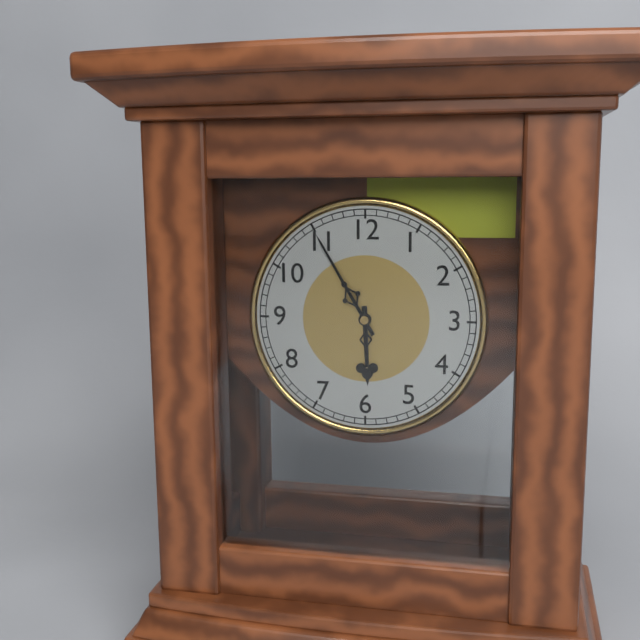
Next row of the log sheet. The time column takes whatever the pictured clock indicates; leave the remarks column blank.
5:55
